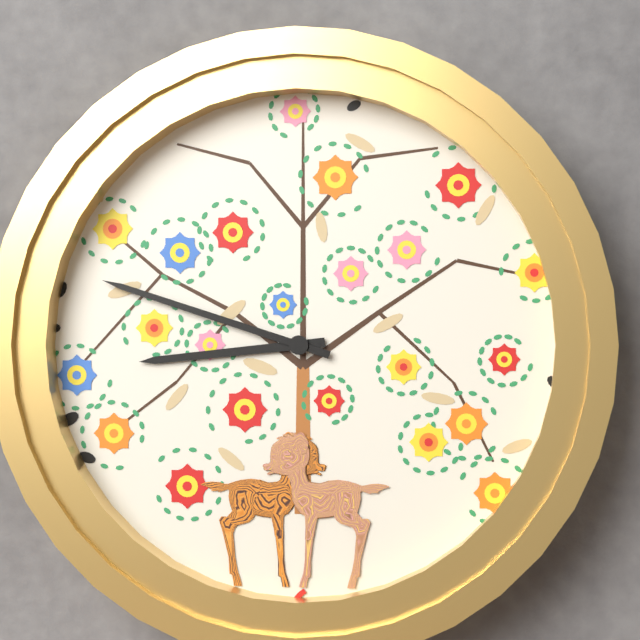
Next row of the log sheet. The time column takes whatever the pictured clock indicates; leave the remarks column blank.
8:48
